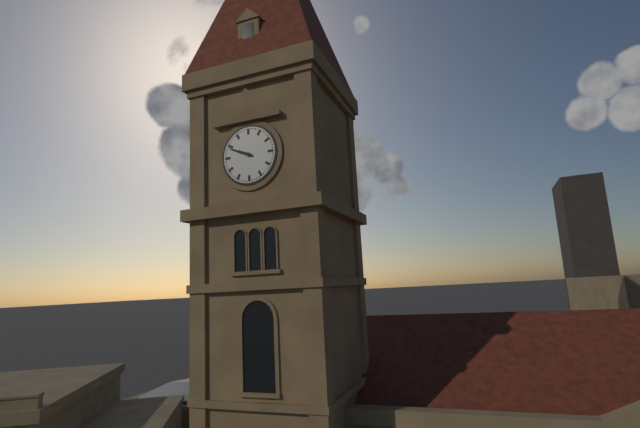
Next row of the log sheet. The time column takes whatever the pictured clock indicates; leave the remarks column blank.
9:49
